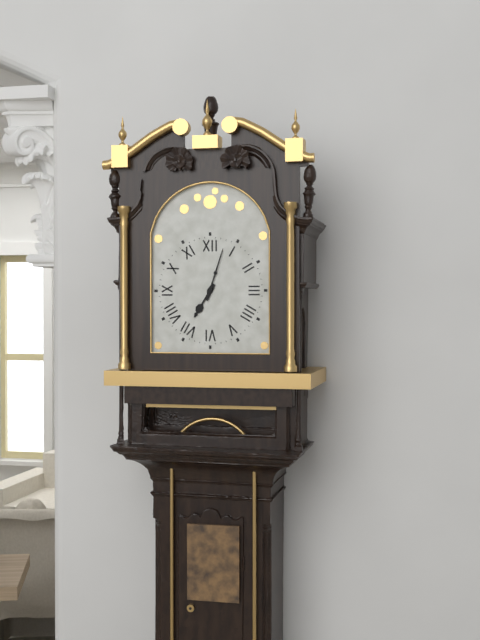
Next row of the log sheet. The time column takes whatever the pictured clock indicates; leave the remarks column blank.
7:03
